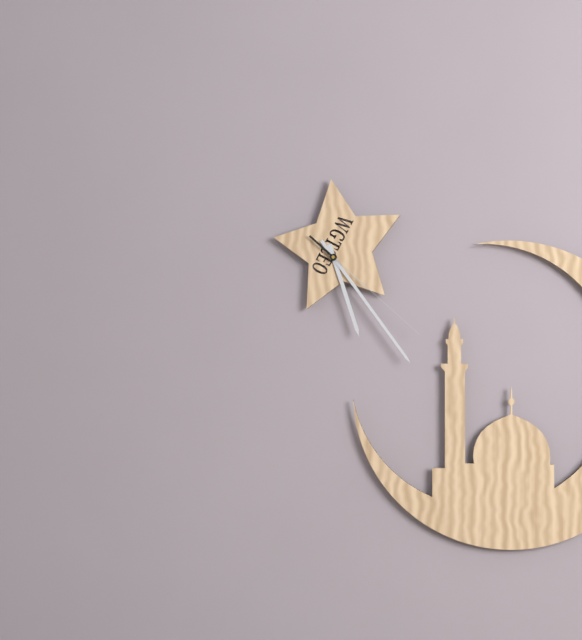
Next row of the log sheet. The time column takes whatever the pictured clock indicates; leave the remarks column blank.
5:24:22
